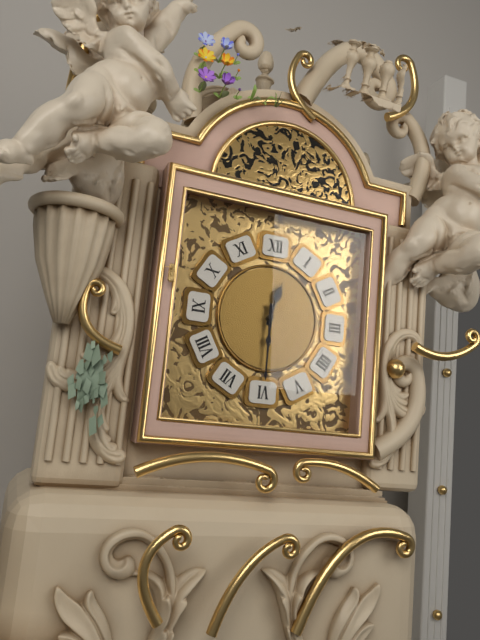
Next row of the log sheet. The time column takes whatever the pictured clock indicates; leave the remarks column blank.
12:30
